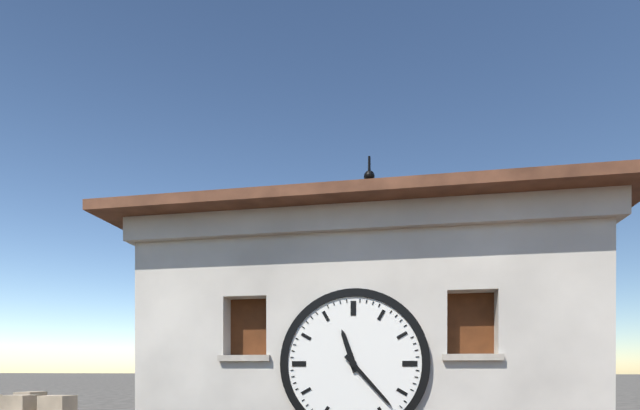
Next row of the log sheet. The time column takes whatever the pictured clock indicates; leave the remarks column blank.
11:23
